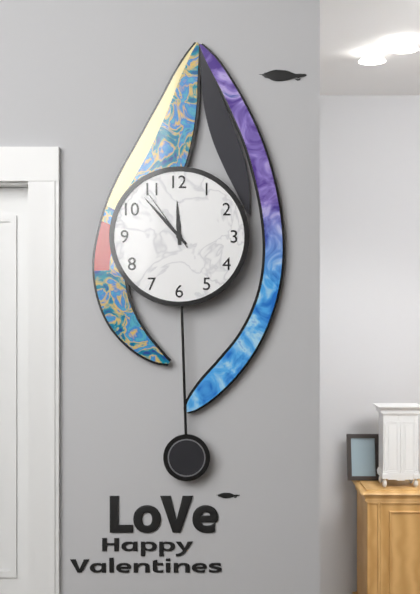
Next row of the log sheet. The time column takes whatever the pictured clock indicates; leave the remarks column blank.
11:53:54
